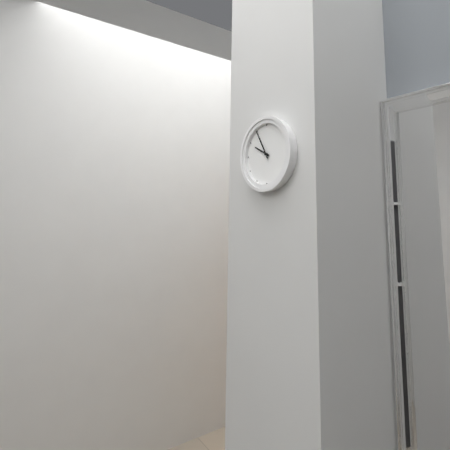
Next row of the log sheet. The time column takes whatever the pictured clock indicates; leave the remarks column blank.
9:55
